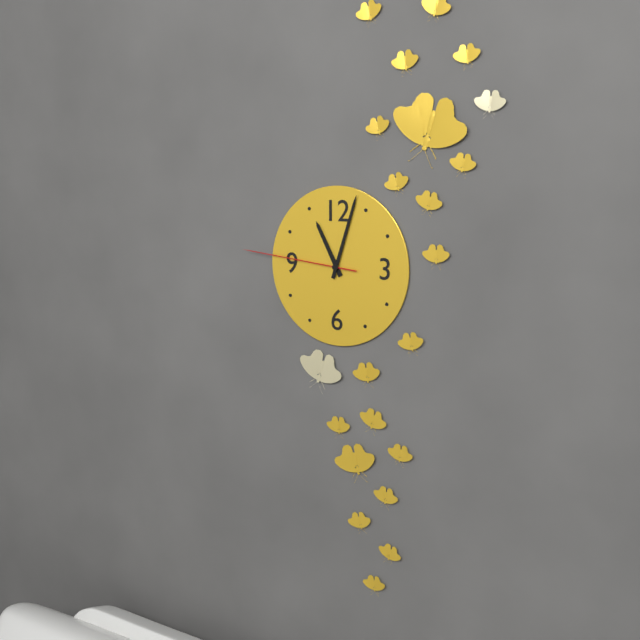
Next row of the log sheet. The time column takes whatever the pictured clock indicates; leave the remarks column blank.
11:03:46
